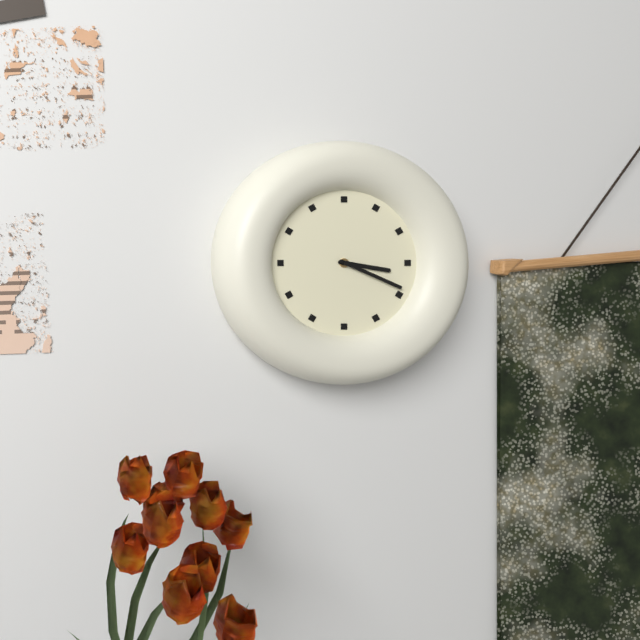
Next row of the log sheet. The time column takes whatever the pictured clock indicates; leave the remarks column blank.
3:19
